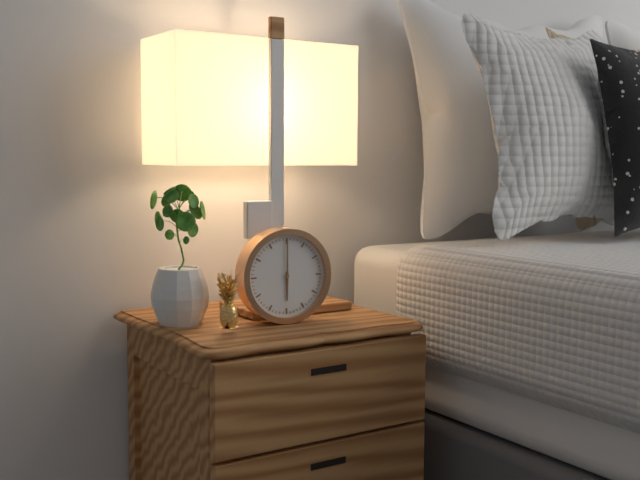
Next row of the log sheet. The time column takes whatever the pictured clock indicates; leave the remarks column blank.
6:00
